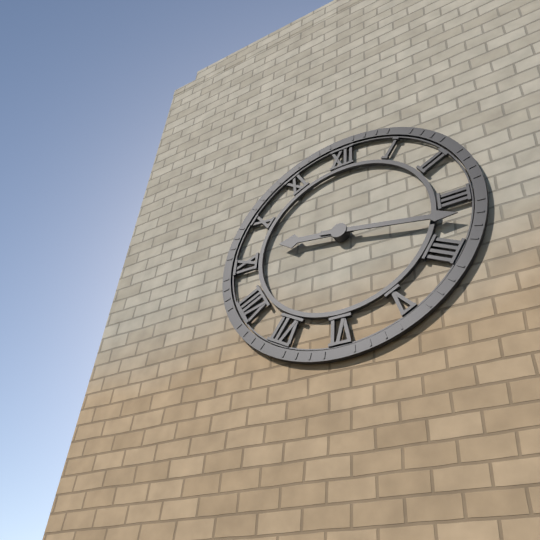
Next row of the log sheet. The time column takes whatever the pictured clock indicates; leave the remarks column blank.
9:17
